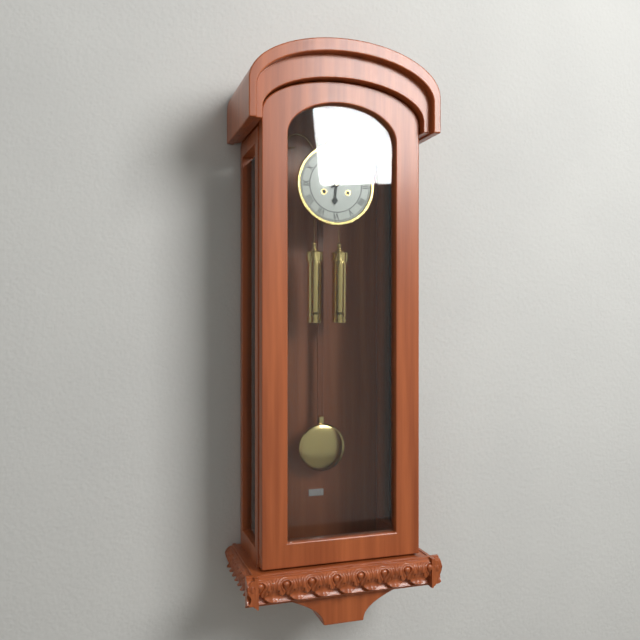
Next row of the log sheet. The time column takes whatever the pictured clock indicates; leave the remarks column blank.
6:10
